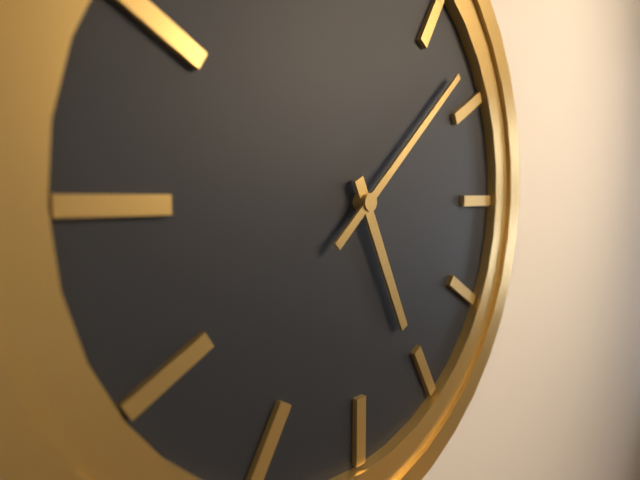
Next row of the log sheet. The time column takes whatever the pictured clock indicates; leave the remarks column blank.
5:08
